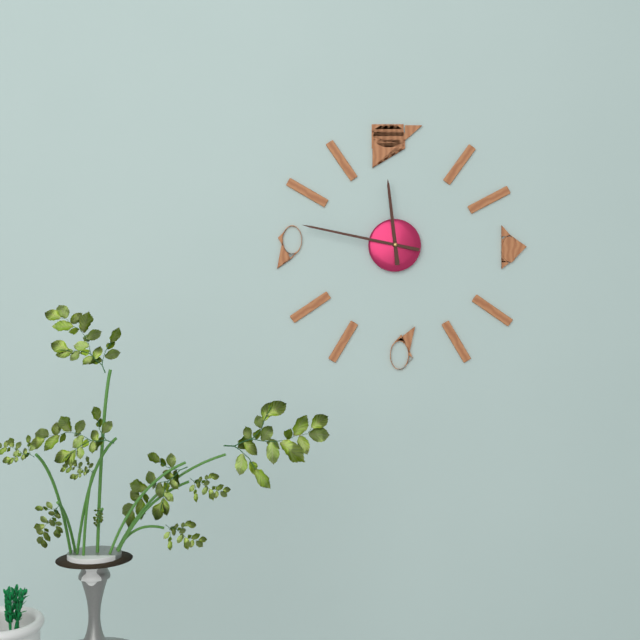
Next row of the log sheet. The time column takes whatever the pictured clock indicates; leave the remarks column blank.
11:47
